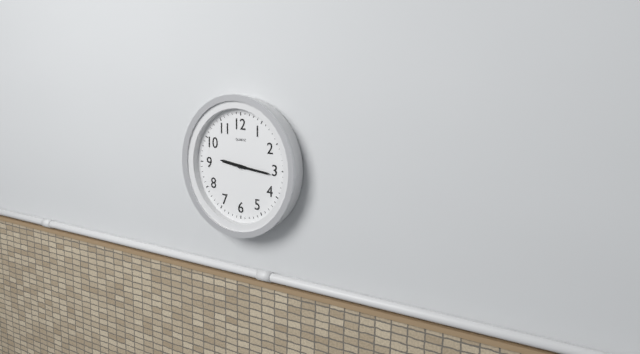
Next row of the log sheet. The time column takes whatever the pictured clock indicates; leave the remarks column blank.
9:16
